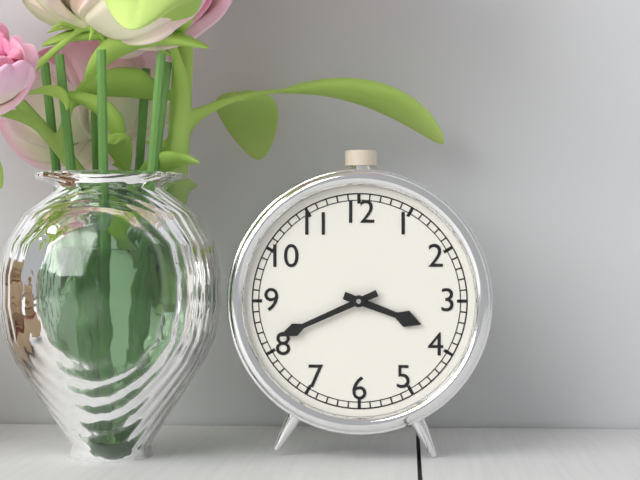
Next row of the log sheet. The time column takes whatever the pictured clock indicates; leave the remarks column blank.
3:41
